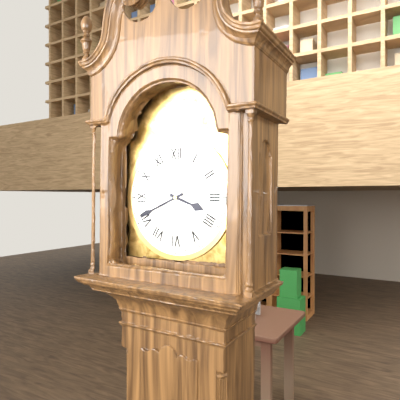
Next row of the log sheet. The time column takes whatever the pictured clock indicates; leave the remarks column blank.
3:41
